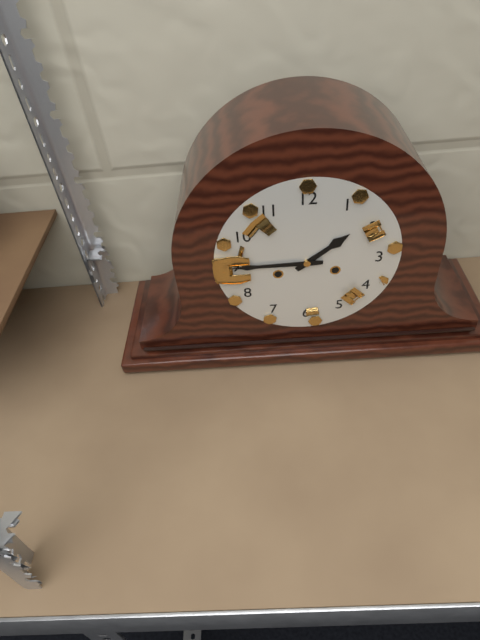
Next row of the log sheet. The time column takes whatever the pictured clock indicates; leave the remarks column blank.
1:45
